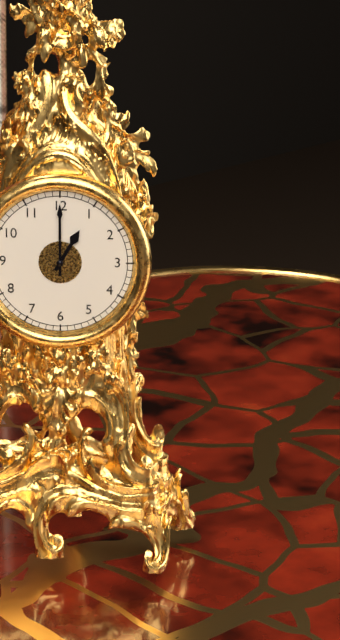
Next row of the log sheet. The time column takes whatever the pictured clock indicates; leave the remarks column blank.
1:00
